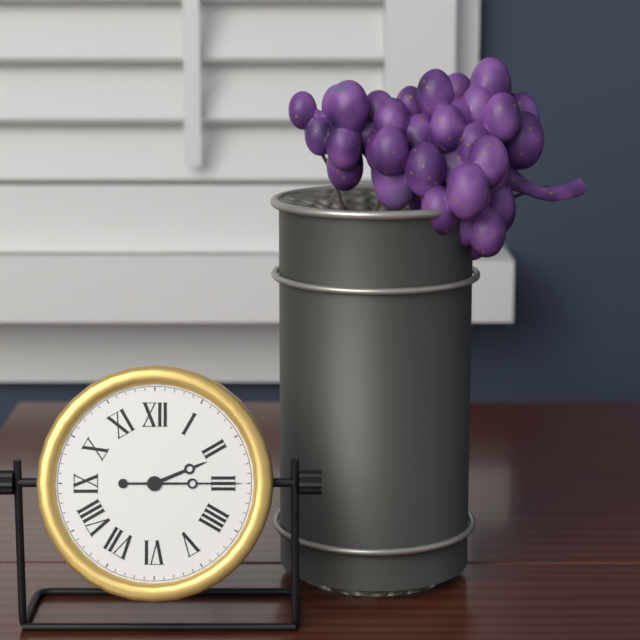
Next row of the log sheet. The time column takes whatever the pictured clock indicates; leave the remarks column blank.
2:15
